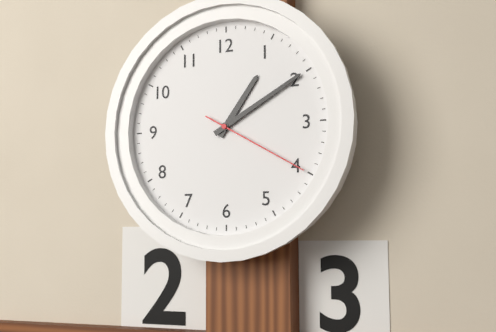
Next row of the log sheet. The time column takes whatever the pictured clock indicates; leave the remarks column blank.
1:10:20
